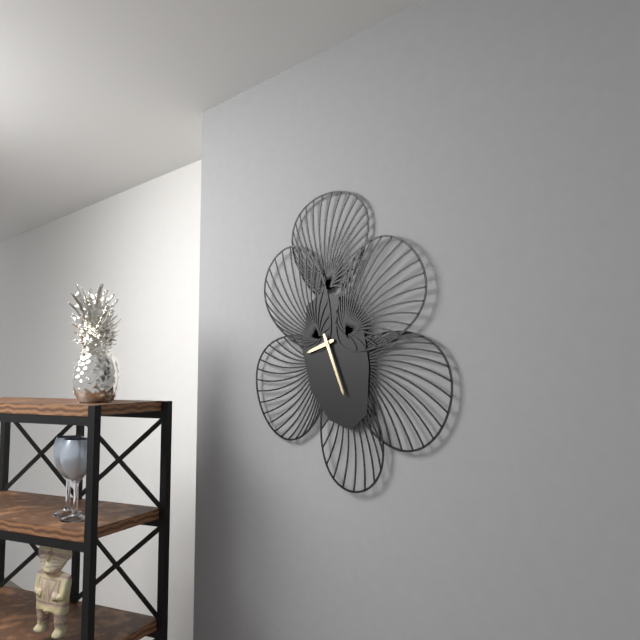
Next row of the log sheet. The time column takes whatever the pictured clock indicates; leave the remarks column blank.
8:26
